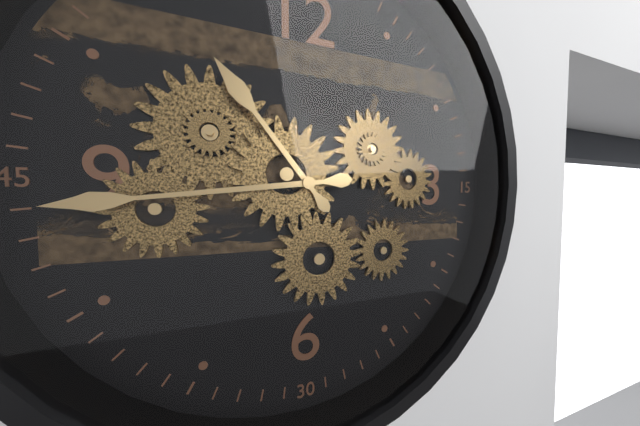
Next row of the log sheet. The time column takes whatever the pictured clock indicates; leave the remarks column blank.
10:44
